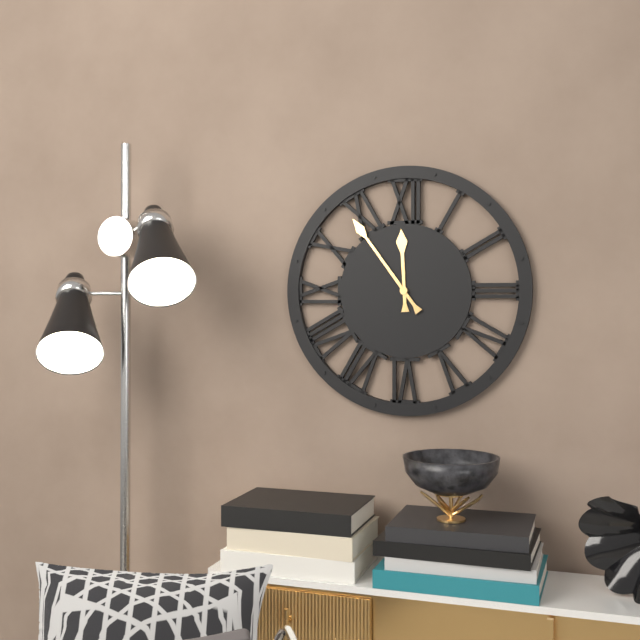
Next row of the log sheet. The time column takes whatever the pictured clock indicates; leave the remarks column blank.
11:54
